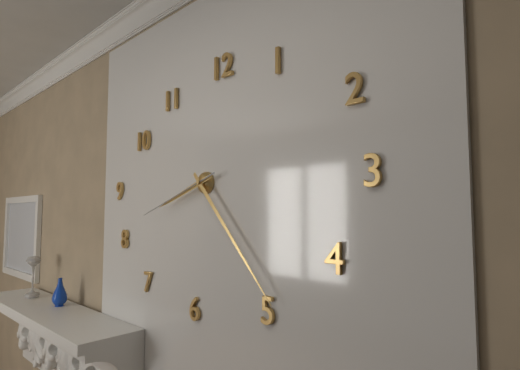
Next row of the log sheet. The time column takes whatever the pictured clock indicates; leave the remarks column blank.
8:23:42
